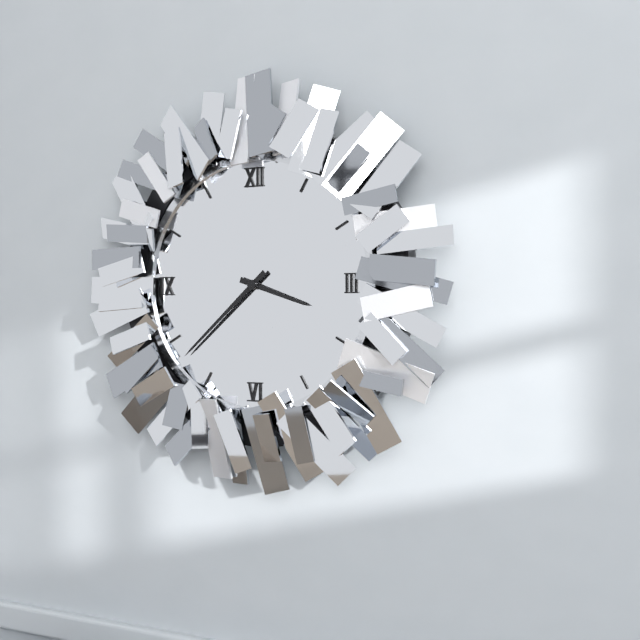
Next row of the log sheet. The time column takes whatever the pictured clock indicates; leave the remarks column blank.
3:38
